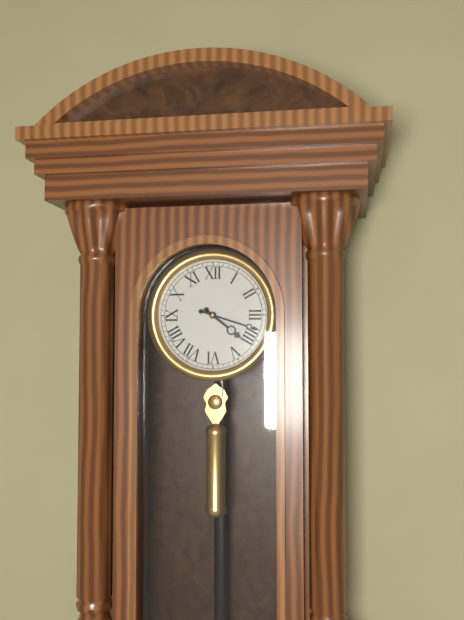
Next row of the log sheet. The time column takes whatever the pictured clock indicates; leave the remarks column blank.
4:18
